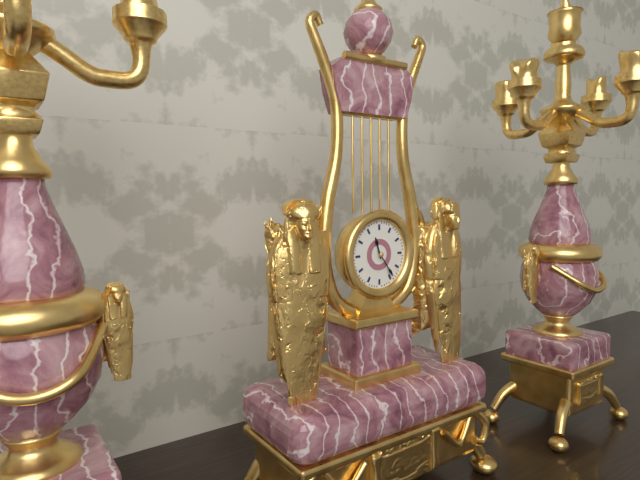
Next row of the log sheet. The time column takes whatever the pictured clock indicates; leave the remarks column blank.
11:24
